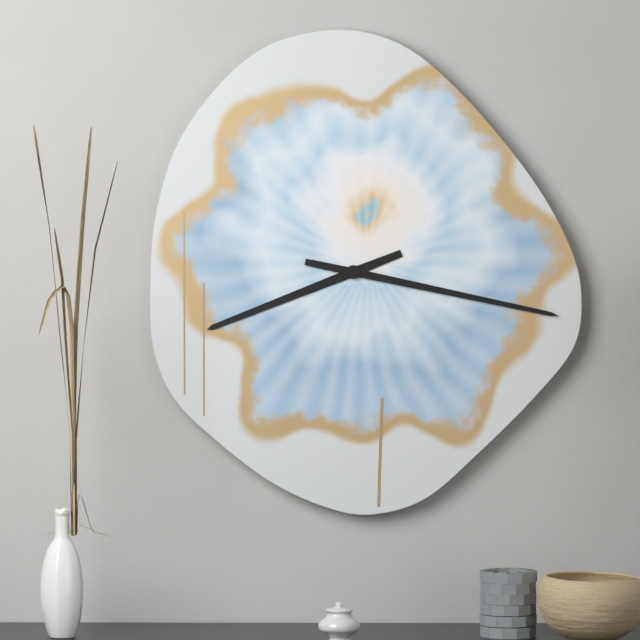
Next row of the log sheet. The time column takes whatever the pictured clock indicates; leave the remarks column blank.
8:17
